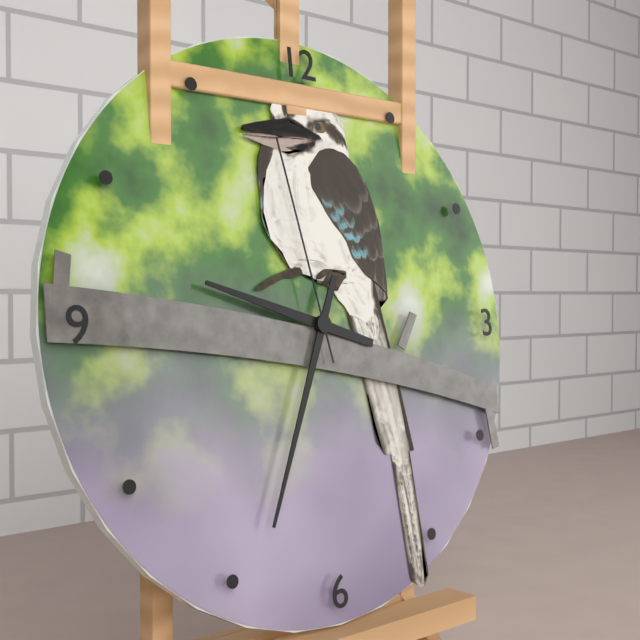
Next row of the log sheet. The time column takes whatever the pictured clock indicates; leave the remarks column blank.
9:34:58
